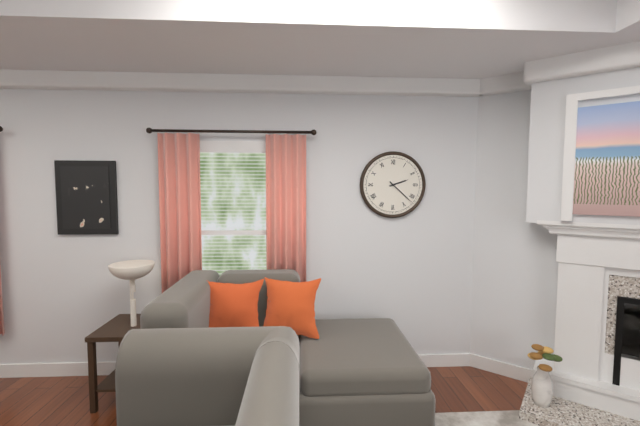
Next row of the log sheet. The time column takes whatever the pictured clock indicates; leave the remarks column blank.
2:22
